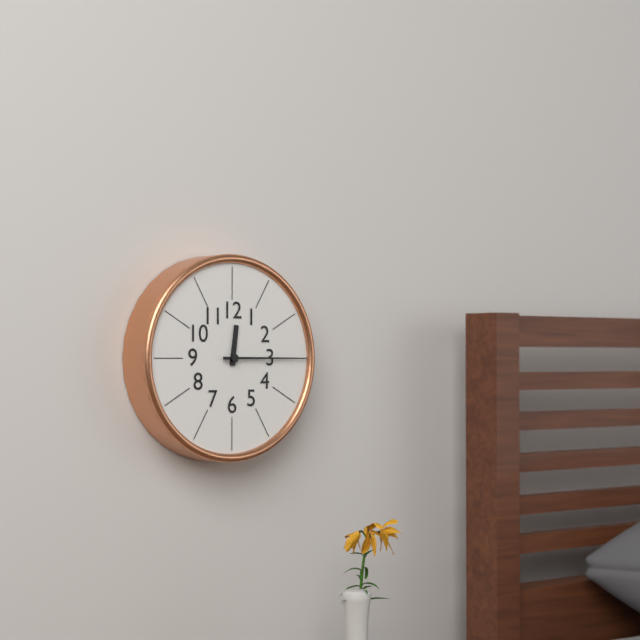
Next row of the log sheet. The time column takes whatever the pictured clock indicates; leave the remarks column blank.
12:15
